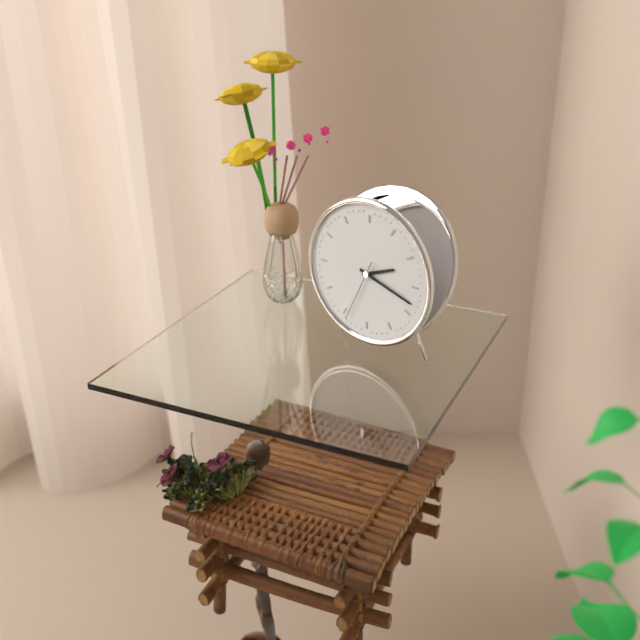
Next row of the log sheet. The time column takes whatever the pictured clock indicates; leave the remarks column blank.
2:18:34
